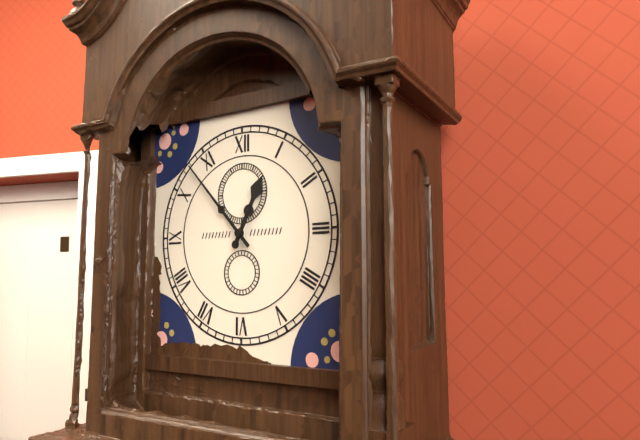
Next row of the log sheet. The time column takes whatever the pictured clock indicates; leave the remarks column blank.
12:53
